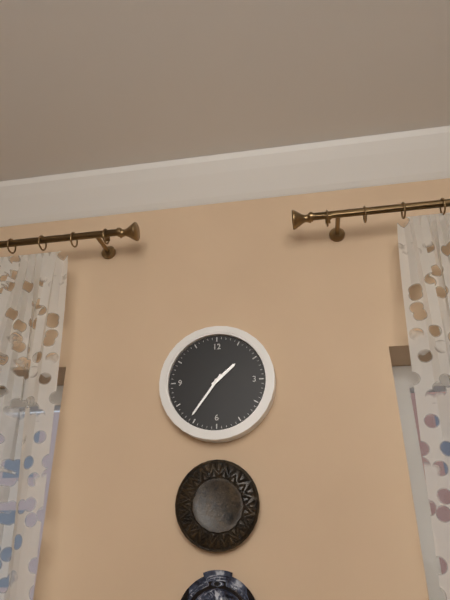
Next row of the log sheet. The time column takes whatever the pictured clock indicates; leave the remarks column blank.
1:36
